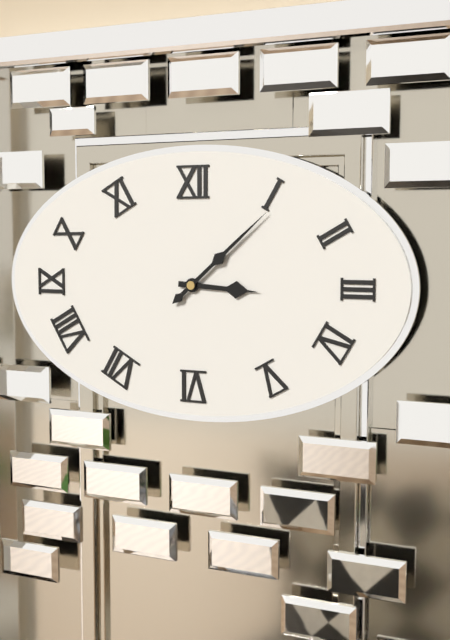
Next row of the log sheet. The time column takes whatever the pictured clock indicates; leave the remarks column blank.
3:08
